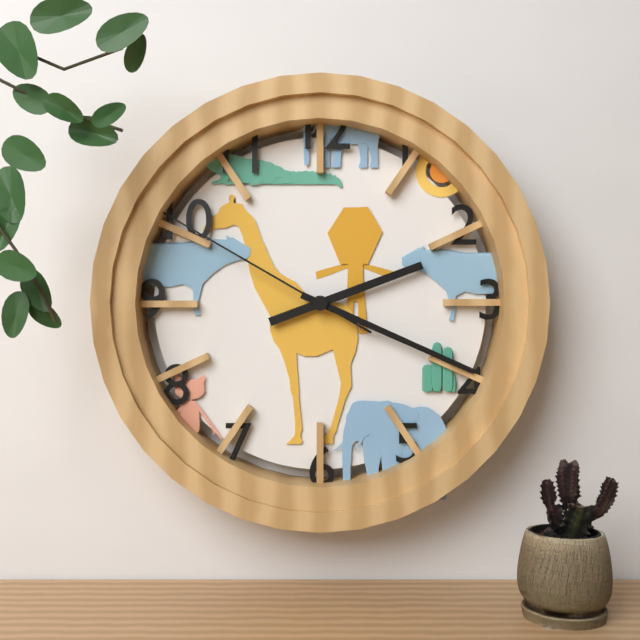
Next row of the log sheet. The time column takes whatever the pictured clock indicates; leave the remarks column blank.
2:19:50
